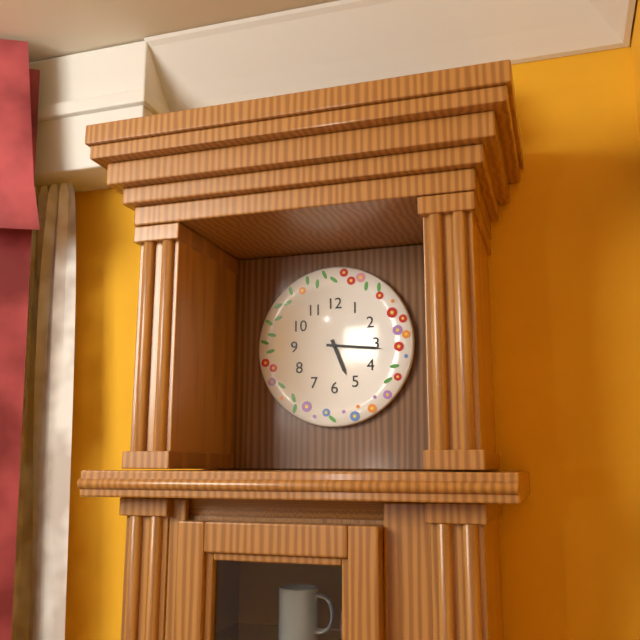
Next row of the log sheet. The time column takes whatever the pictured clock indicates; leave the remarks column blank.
5:16
